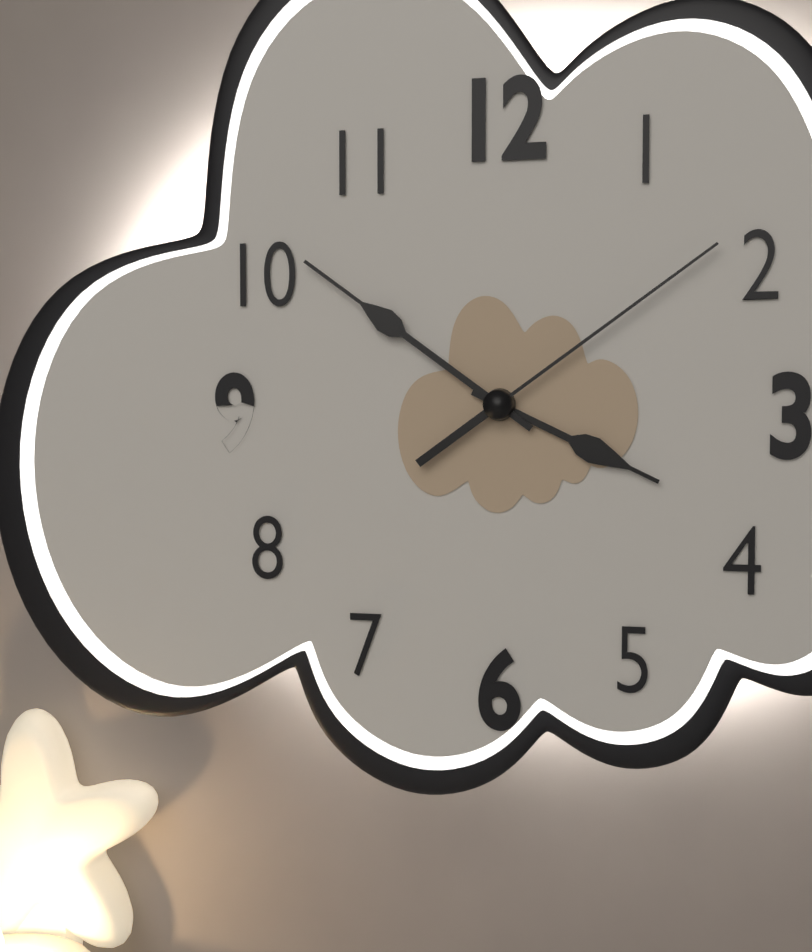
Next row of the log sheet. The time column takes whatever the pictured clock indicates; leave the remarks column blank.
3:51:09
